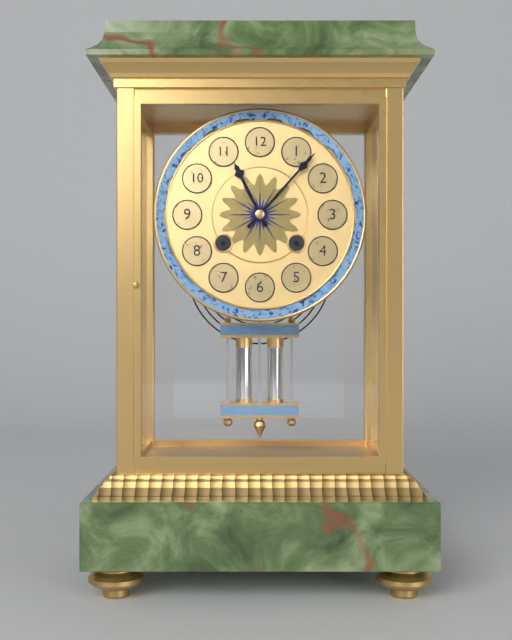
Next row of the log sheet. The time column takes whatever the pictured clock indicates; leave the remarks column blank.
11:07
